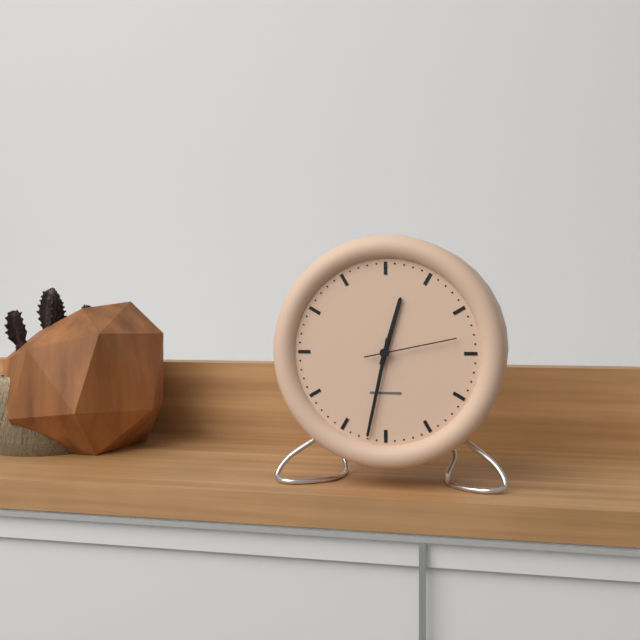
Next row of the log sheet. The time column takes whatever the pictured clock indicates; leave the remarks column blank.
12:32:13
